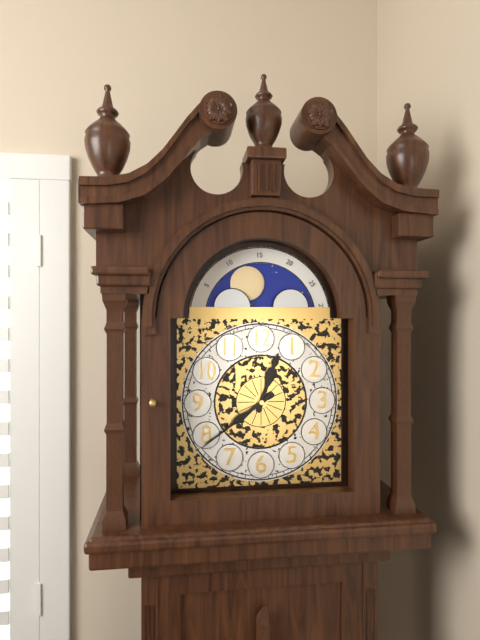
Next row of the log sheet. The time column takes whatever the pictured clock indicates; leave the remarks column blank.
12:39
